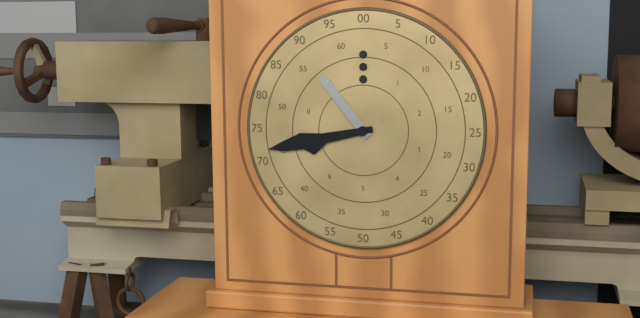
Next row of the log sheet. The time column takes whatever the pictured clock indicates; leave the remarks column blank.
10:43
